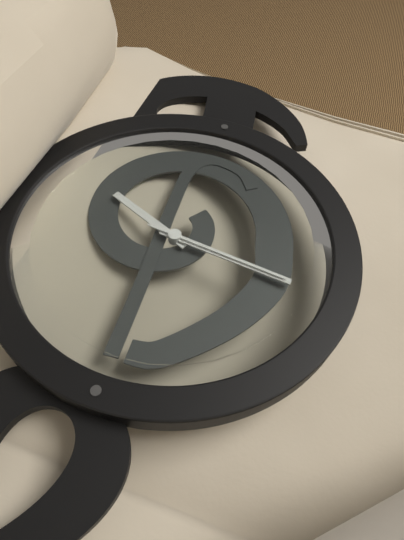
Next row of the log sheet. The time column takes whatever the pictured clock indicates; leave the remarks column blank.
3:46:46
